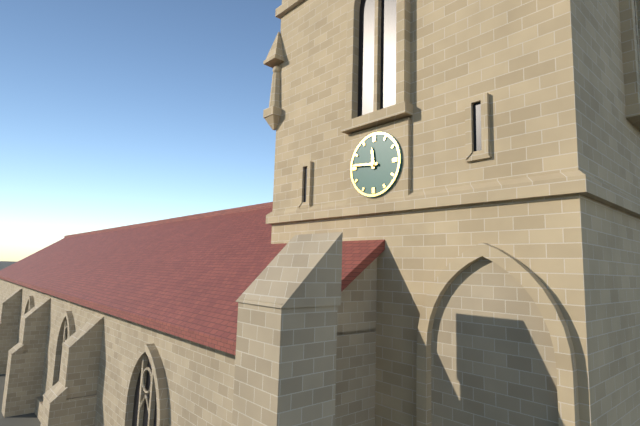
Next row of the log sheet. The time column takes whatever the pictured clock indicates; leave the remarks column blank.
11:46
